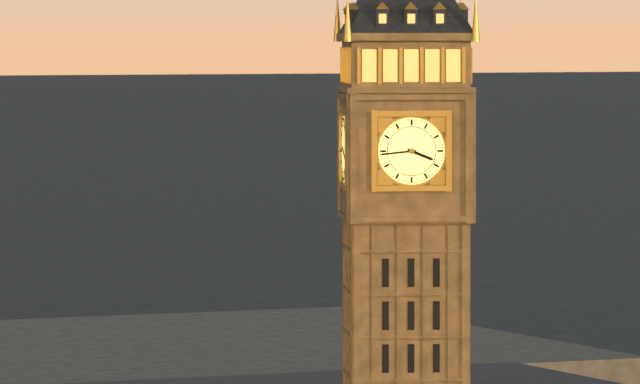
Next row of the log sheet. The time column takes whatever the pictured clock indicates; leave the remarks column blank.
3:44
